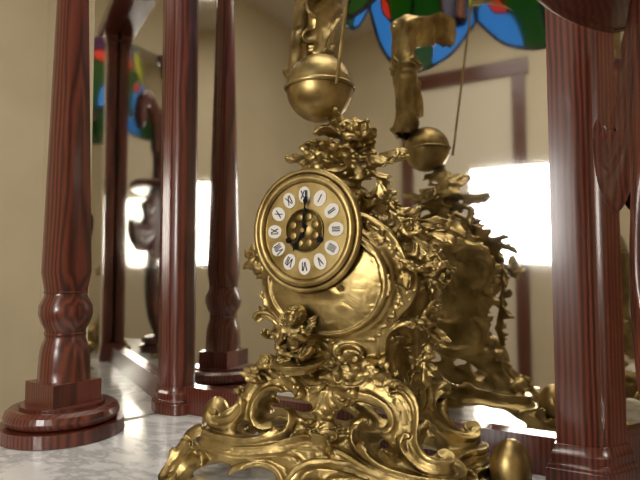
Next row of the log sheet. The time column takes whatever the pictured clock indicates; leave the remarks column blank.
7:01
